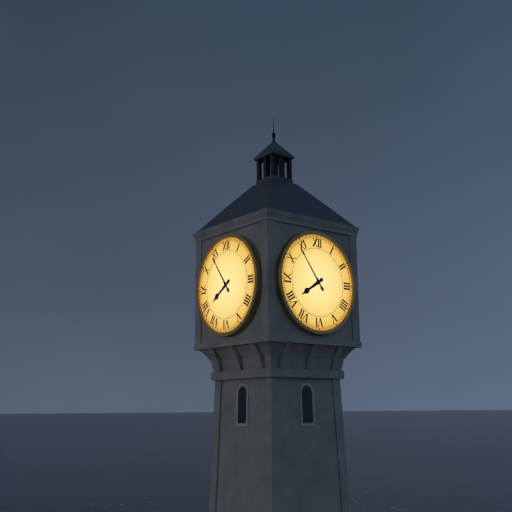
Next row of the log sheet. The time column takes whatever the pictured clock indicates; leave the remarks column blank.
7:54
